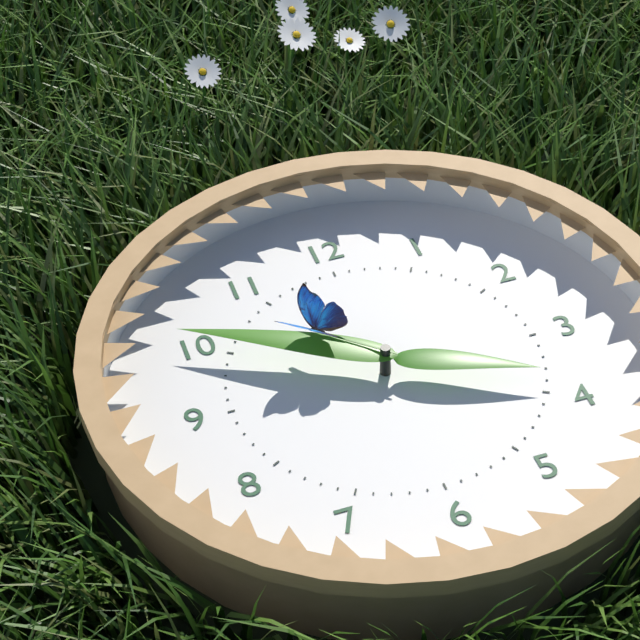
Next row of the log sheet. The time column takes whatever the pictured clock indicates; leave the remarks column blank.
3:50:52
